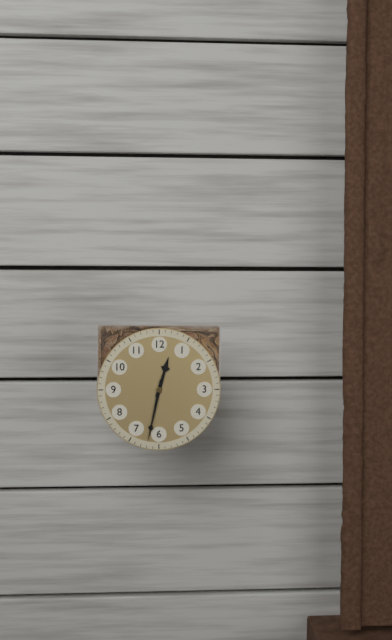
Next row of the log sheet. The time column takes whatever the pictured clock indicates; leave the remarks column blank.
12:32
